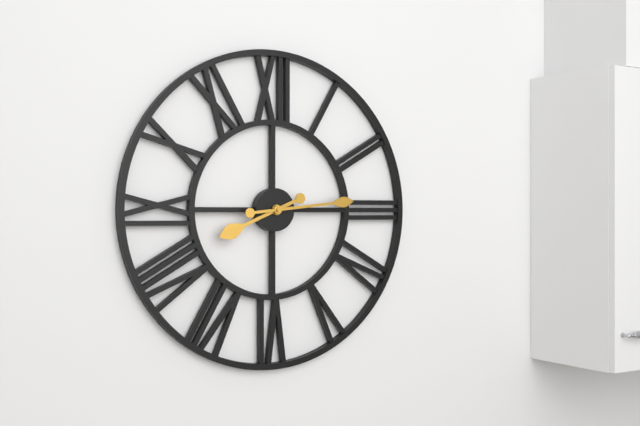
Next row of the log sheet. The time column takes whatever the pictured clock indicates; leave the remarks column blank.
8:14
